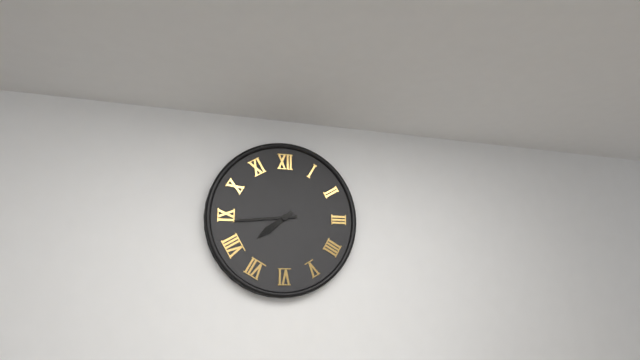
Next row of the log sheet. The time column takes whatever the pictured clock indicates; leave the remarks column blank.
7:44
